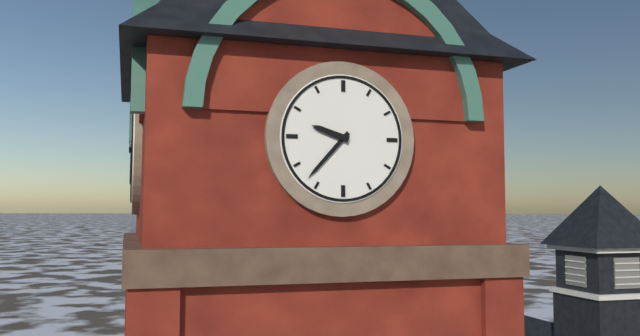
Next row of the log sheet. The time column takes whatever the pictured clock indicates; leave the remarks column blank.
9:37
